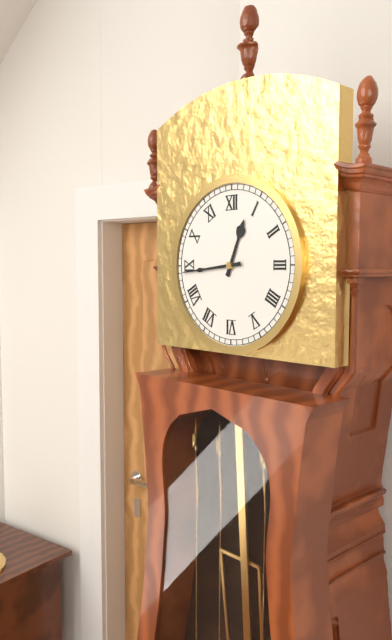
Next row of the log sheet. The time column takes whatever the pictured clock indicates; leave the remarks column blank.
12:44
